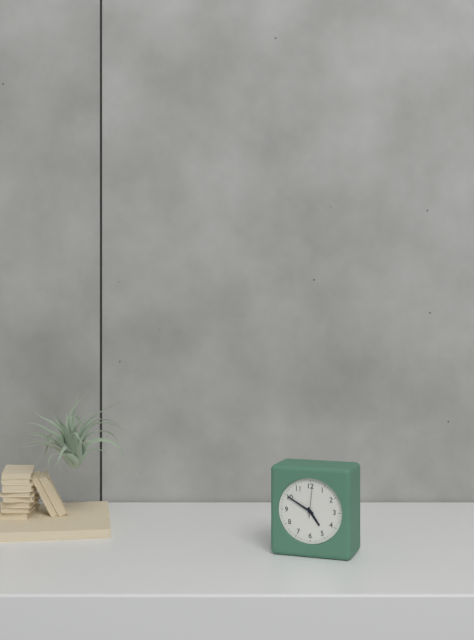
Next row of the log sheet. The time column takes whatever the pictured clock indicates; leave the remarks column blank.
4:50
